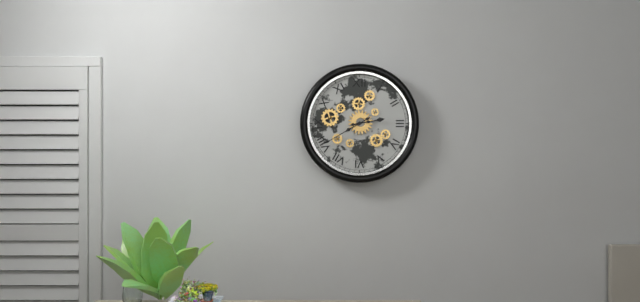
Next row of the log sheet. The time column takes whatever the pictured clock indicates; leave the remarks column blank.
2:40
